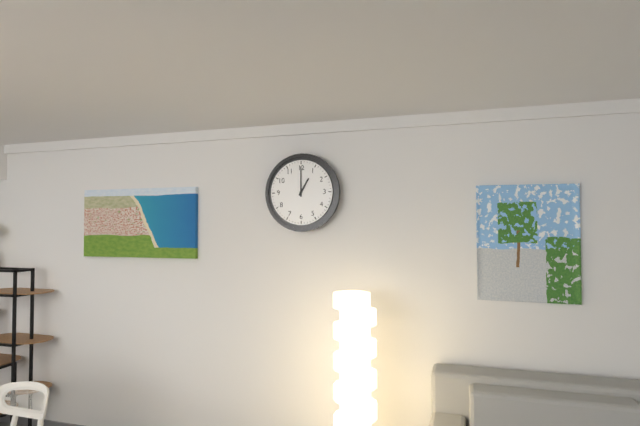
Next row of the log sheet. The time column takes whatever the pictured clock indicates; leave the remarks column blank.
1:00
